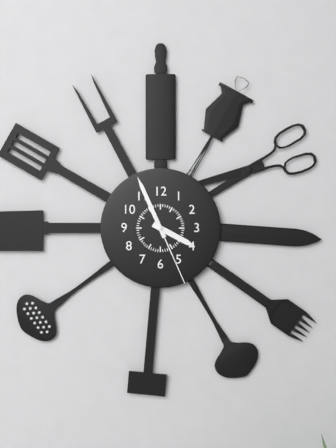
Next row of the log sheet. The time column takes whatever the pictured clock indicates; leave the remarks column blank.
3:56:26
